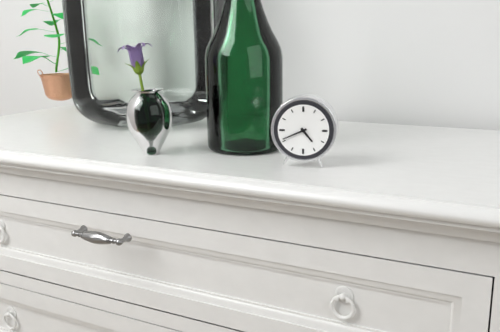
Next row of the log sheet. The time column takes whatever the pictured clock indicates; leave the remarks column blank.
4:41
